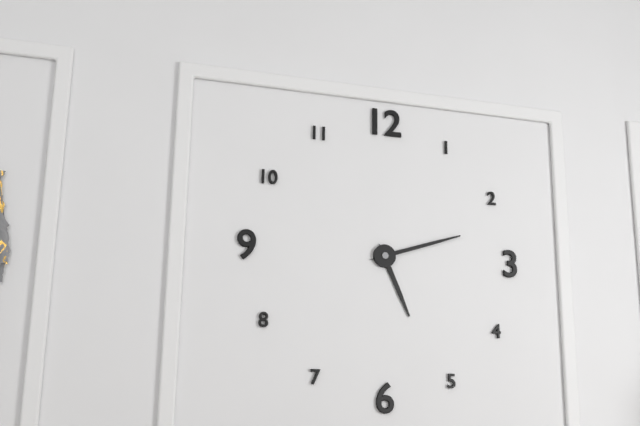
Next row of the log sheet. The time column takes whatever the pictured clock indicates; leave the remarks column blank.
5:12
